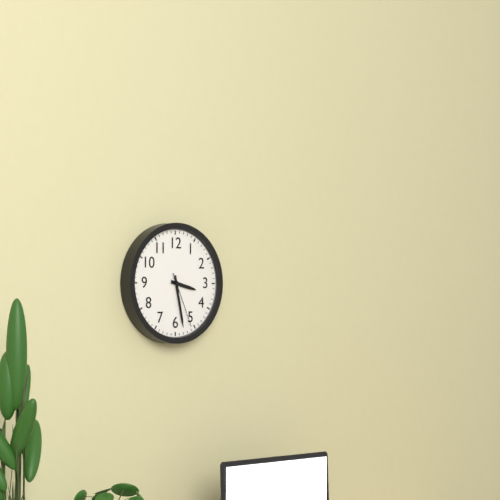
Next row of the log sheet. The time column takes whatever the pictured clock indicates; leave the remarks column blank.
3:28:26
